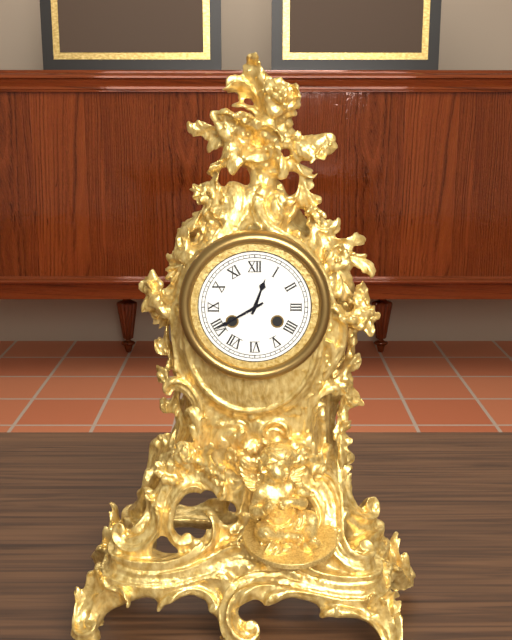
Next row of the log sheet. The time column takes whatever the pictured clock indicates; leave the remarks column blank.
12:40
